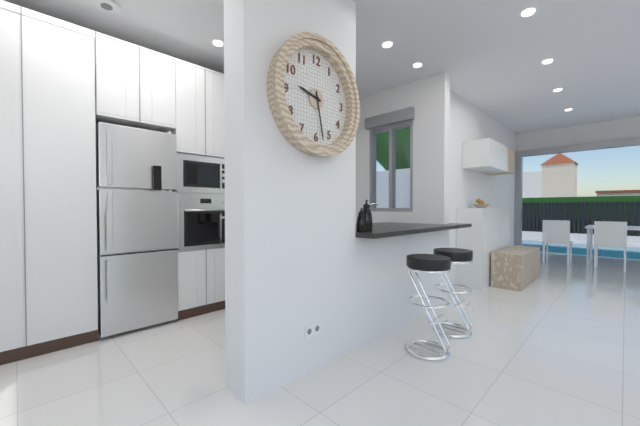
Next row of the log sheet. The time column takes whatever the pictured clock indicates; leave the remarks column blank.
9:28
